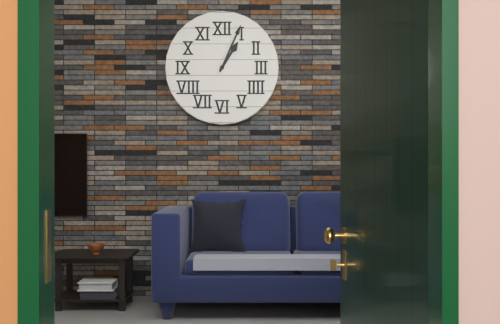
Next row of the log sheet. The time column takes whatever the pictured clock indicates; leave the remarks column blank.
1:04
